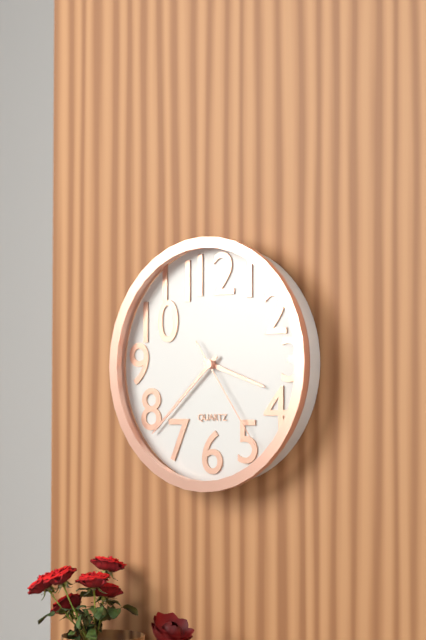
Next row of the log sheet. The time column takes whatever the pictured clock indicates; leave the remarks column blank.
3:38:24
